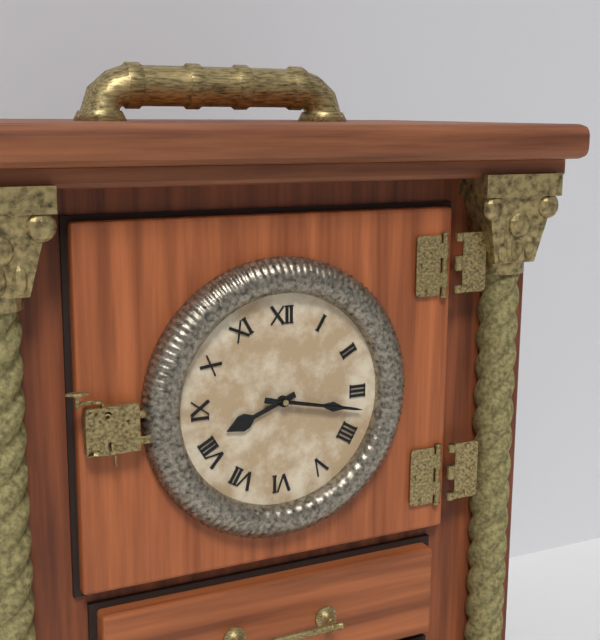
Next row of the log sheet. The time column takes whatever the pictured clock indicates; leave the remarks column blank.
8:17:17
